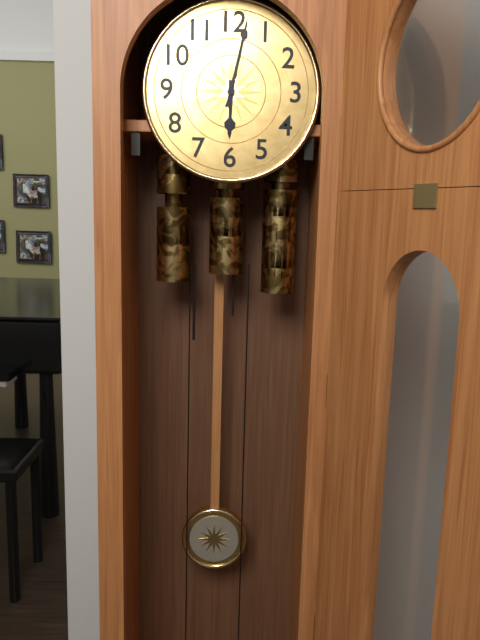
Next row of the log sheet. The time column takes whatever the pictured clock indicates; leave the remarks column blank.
6:02
